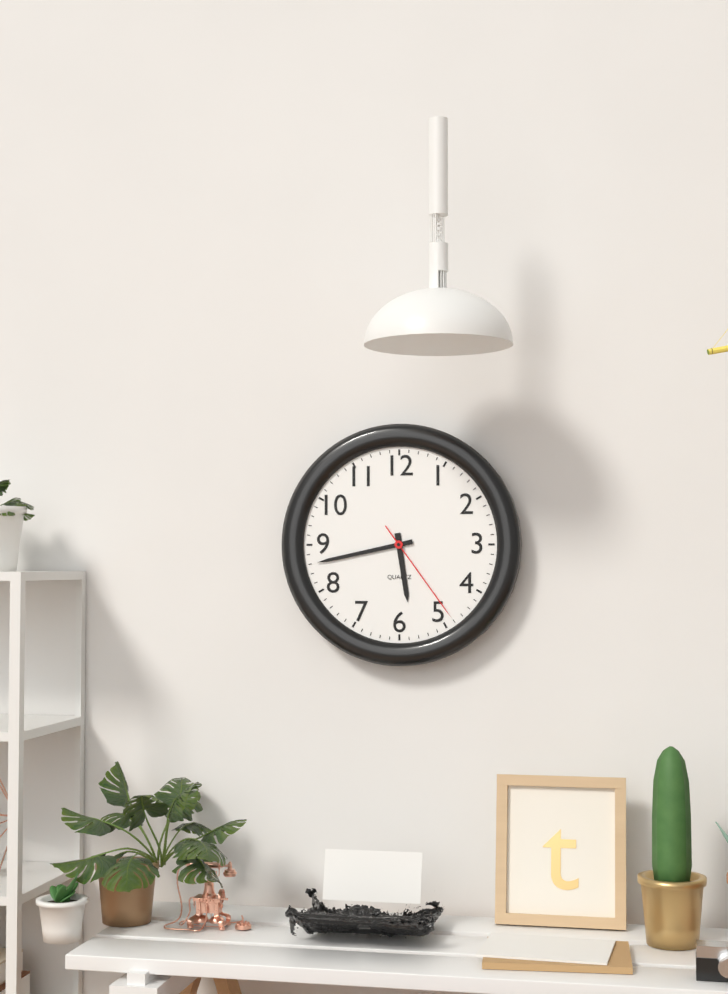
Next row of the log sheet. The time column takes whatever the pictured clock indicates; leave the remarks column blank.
5:43:24
